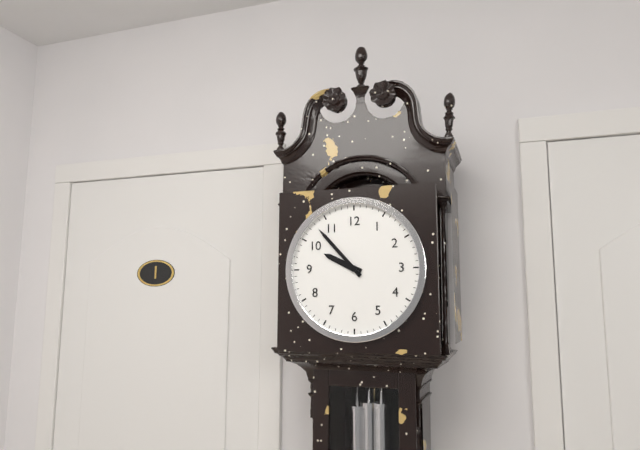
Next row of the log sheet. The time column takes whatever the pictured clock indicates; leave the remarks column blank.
9:53
